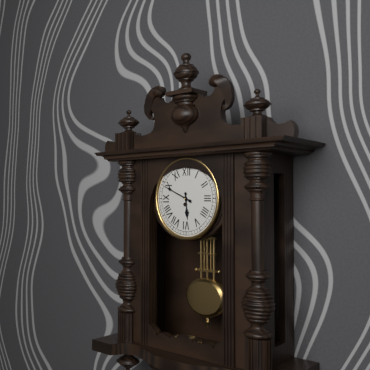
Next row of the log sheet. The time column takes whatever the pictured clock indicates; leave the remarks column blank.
5:49
